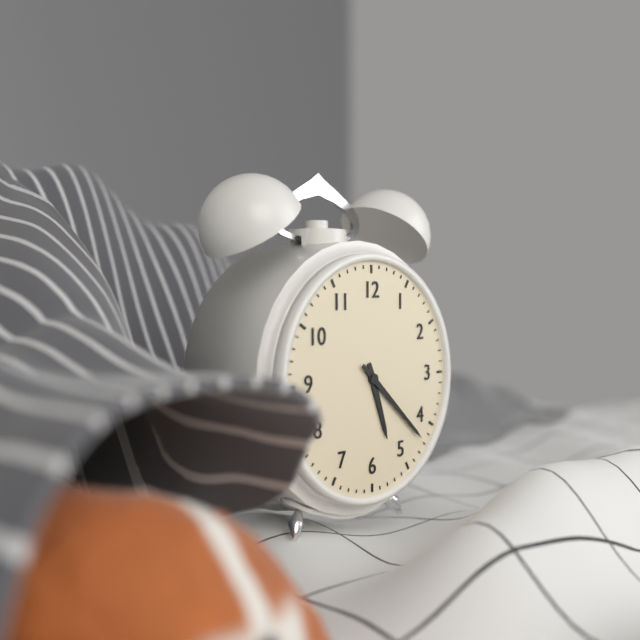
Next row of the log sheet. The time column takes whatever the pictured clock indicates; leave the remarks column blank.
5:22
